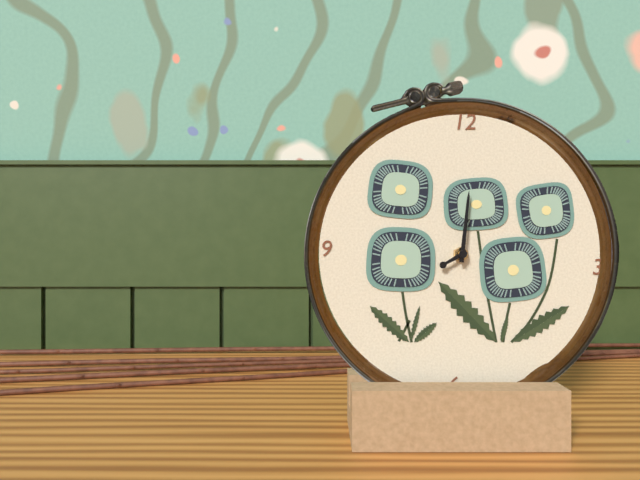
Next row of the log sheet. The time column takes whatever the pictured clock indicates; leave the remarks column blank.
8:01
